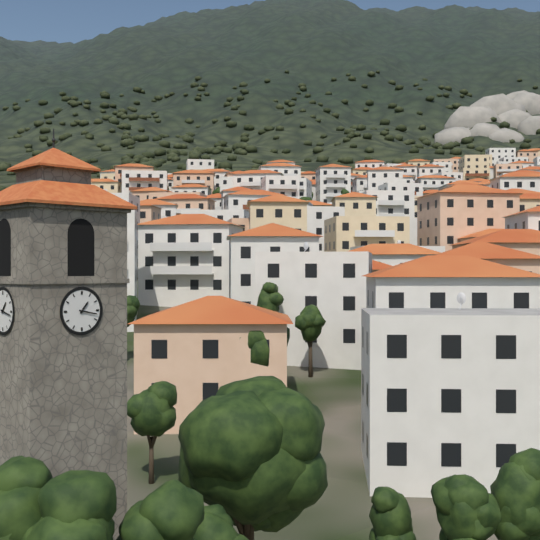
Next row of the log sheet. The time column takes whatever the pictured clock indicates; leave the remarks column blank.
1:17
